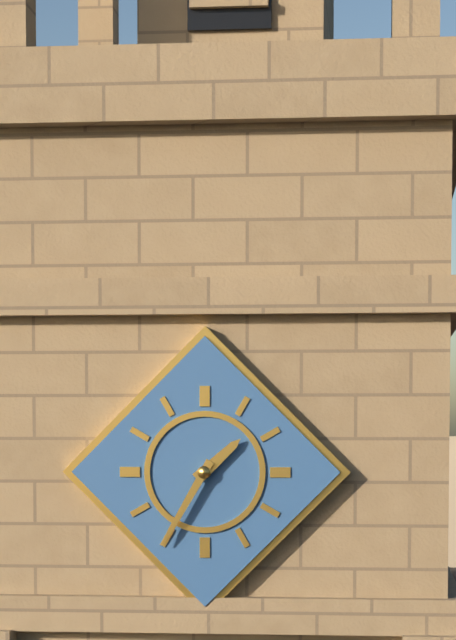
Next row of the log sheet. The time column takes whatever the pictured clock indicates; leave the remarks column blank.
1:35
